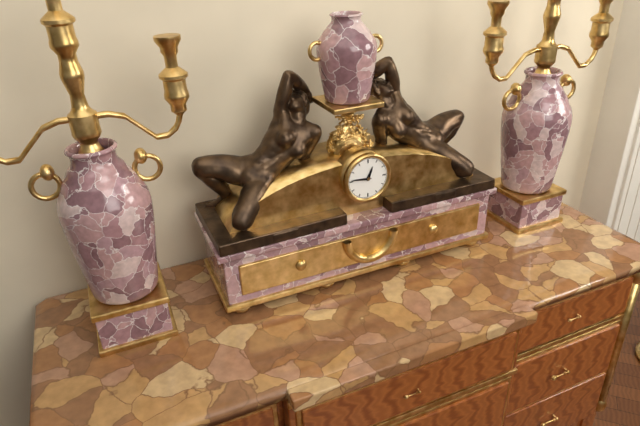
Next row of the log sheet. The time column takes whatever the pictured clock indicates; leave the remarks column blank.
12:46
